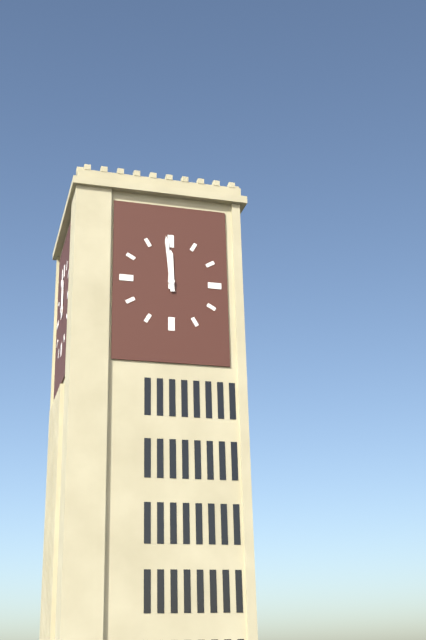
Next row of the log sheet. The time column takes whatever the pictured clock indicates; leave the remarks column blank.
11:59
